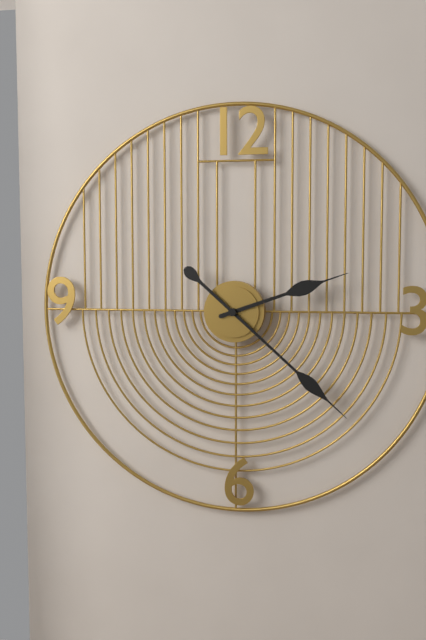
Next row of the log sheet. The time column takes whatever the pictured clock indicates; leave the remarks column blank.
2:22
